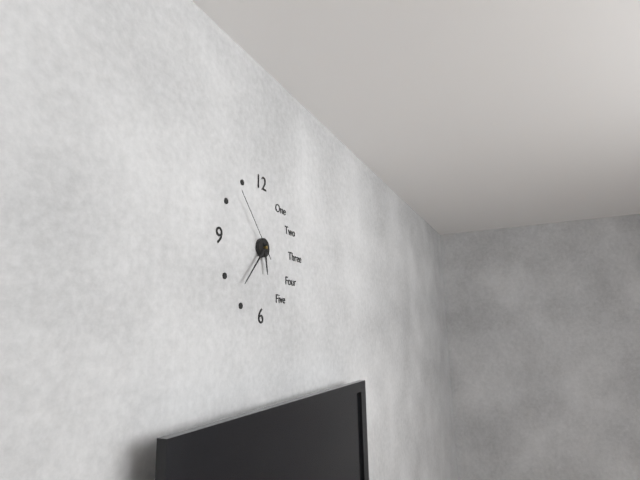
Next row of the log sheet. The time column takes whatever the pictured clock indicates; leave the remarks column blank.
5:37:53
